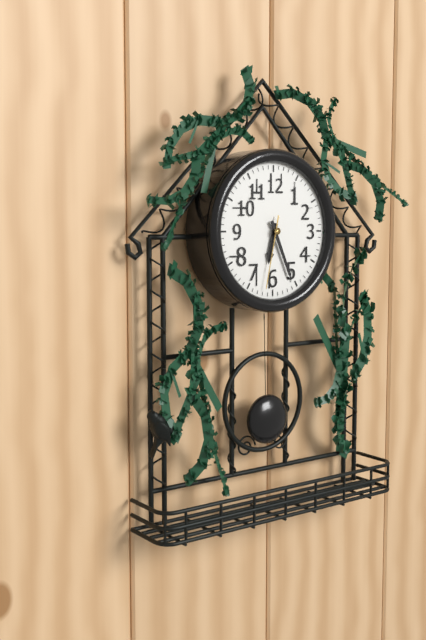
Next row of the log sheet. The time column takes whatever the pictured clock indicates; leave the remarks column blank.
6:26:32
